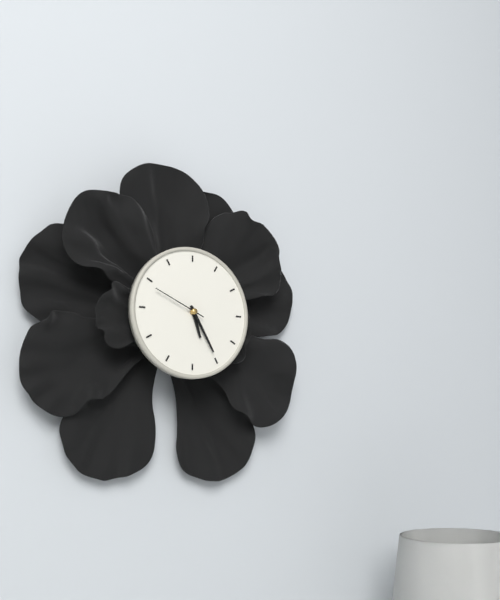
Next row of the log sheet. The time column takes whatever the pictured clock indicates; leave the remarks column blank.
5:25:49
